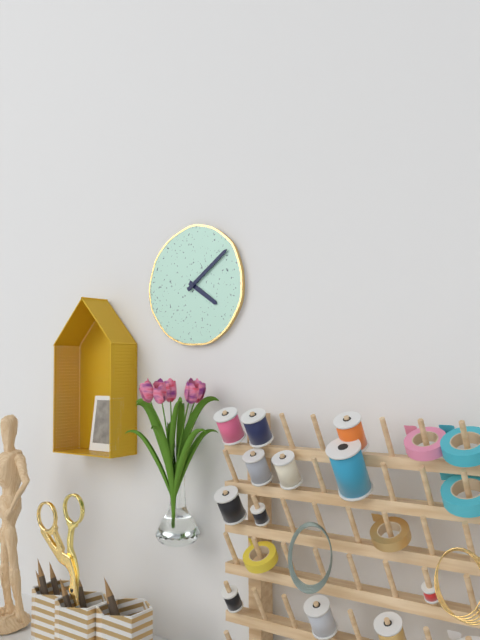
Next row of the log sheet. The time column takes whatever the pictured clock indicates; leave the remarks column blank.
4:09
